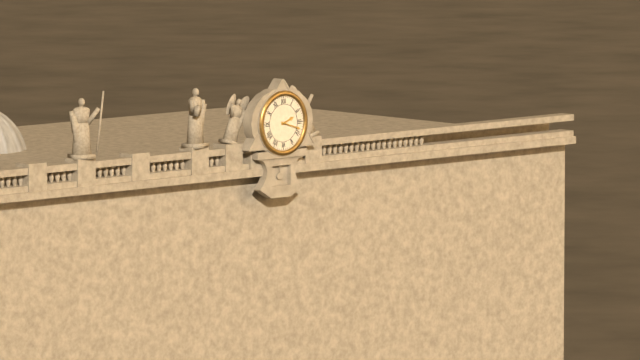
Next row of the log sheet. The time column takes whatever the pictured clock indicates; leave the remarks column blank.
2:18
